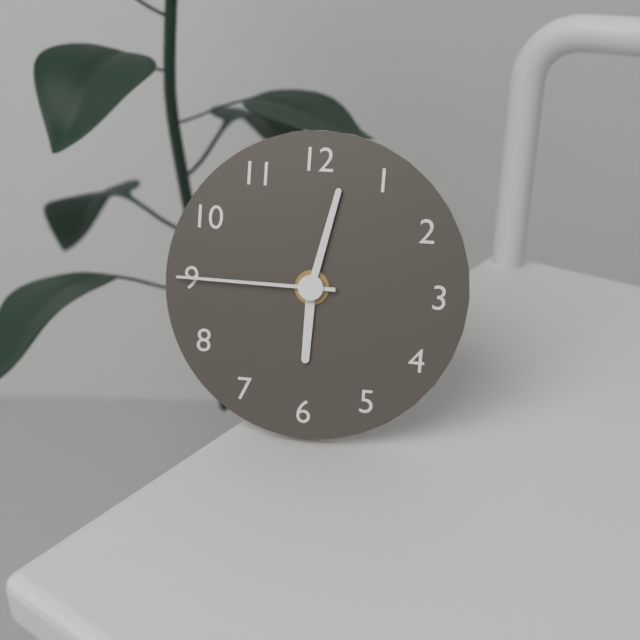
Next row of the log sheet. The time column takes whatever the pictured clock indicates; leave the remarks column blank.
6:02:45
